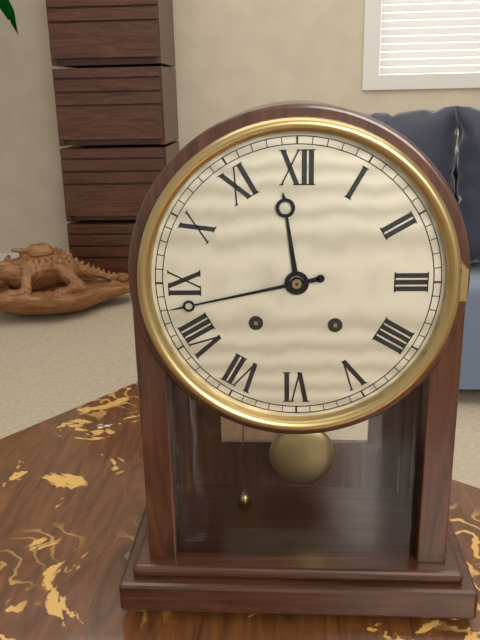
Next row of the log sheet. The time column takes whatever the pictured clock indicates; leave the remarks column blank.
11:43
